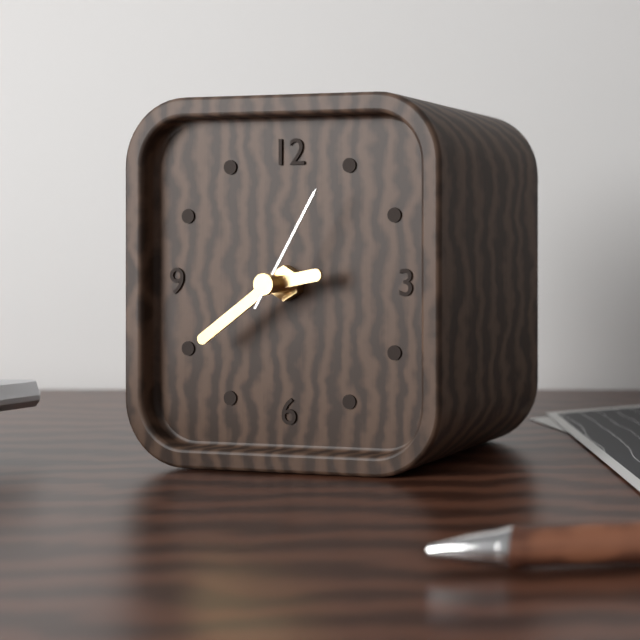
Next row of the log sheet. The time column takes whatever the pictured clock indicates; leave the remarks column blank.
2:39:05
